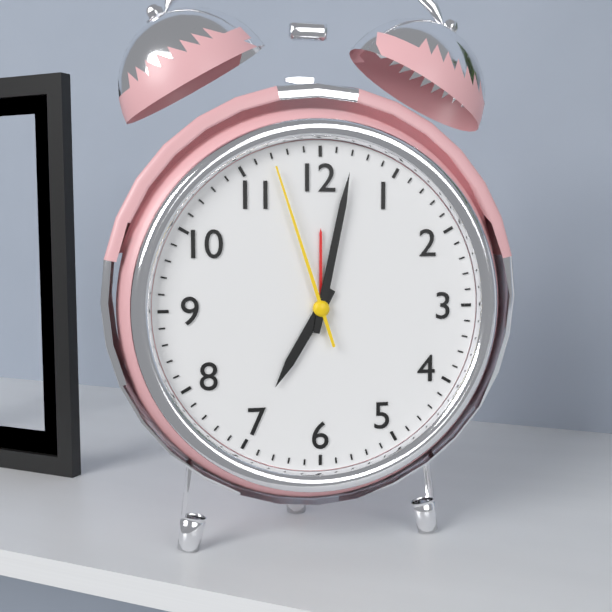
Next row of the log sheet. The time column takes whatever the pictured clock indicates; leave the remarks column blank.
7:02:57
